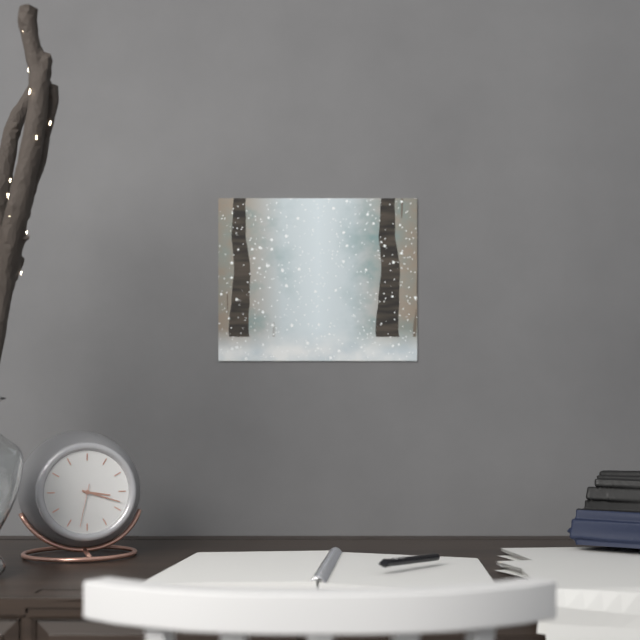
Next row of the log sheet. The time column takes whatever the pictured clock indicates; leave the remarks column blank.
3:18
